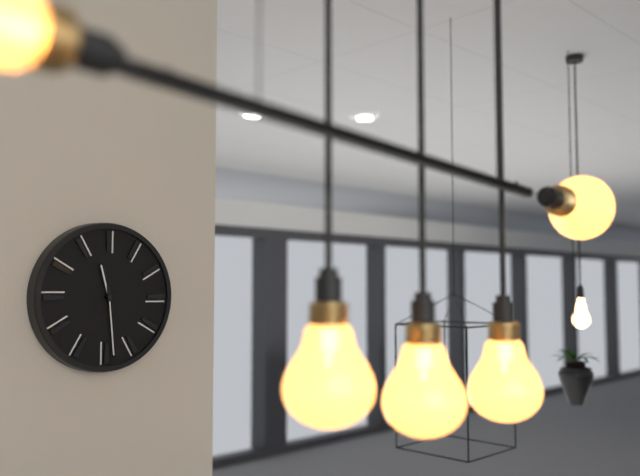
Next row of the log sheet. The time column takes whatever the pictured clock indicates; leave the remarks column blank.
11:29
